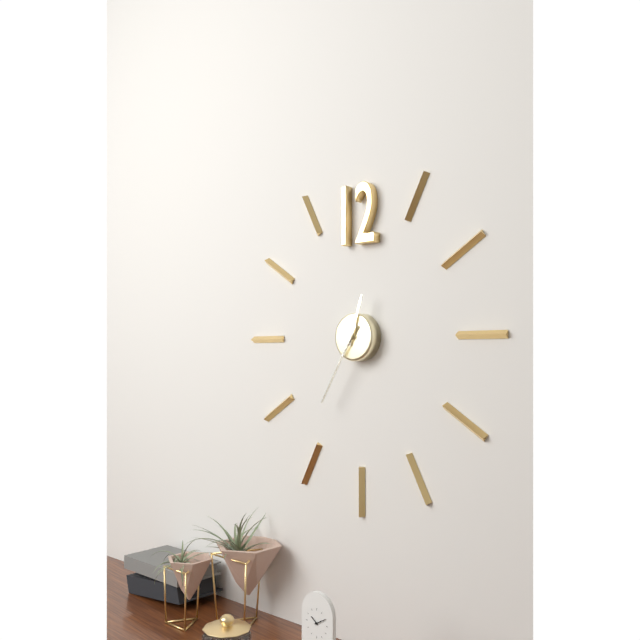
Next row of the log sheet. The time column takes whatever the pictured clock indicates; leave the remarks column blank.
12:35
